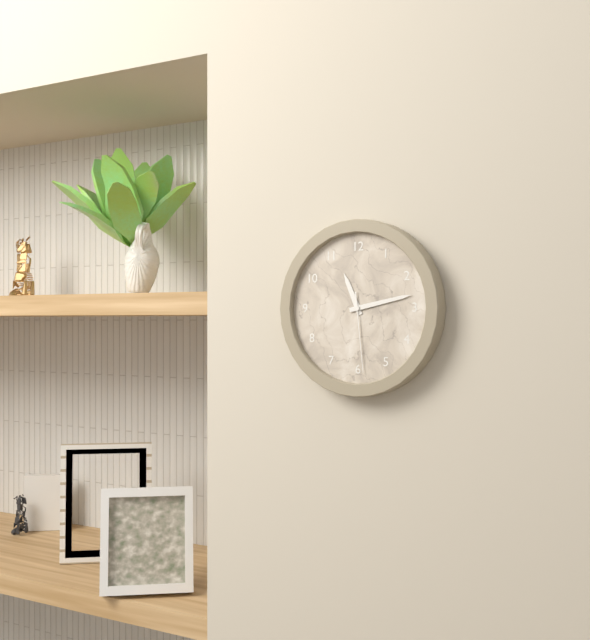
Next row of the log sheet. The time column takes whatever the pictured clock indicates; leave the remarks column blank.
11:13:29
